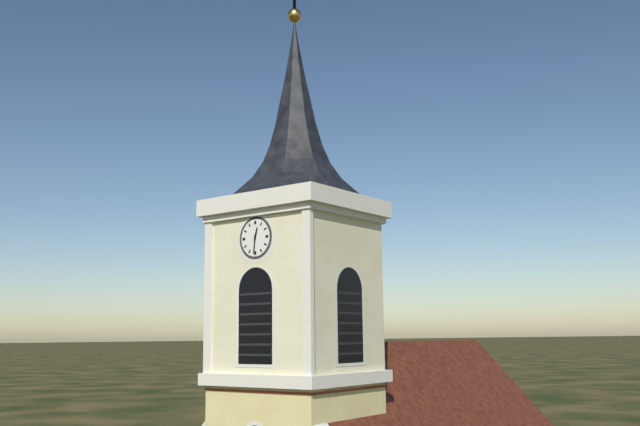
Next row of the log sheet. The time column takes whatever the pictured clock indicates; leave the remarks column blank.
12:31
